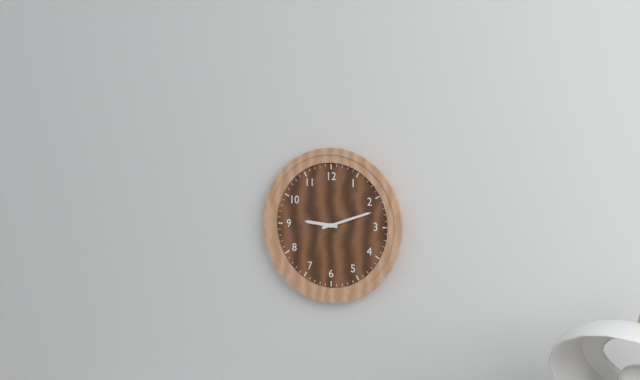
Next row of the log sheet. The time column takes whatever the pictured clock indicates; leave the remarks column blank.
9:12
